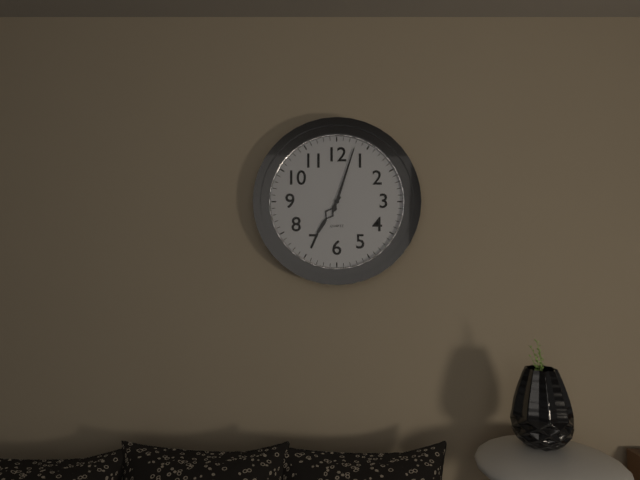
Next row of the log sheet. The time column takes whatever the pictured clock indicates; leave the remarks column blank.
7:03
